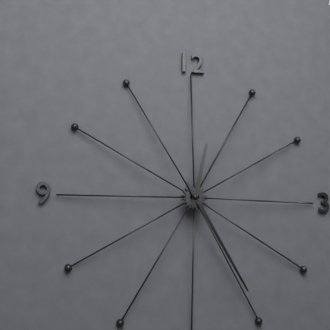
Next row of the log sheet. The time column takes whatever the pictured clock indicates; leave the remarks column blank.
12:25
